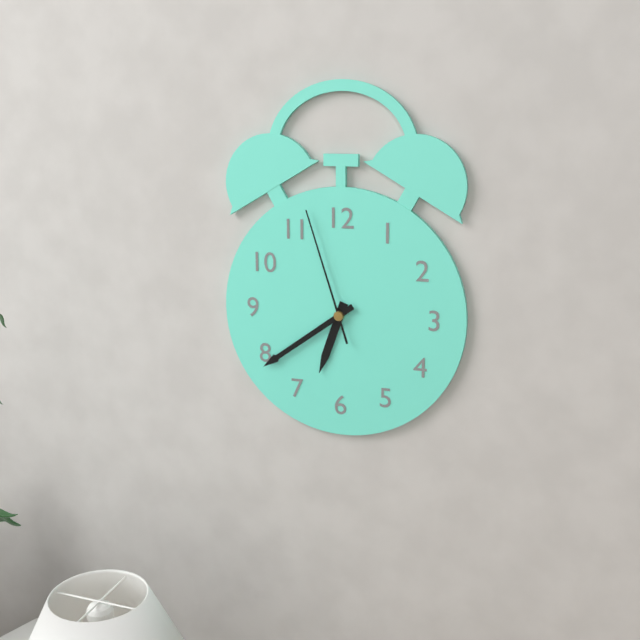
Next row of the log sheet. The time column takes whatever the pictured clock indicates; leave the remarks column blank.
6:39:57
